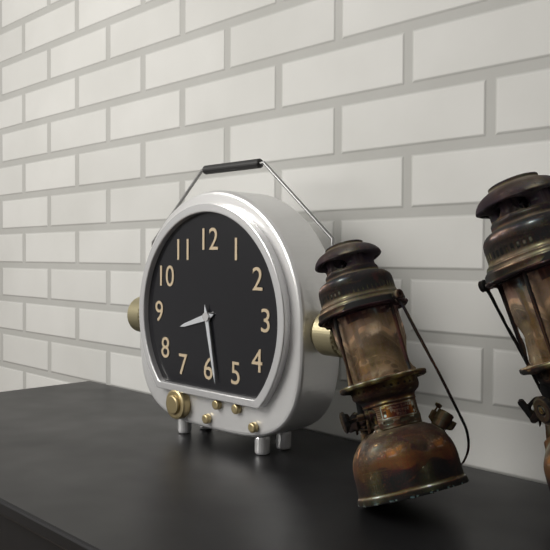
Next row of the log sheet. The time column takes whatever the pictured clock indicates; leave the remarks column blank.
8:28
